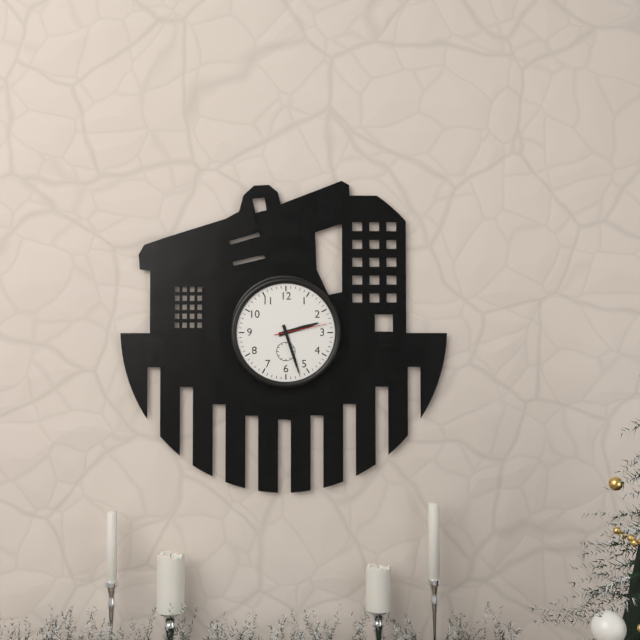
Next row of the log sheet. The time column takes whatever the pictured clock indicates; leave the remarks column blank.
2:27:13
